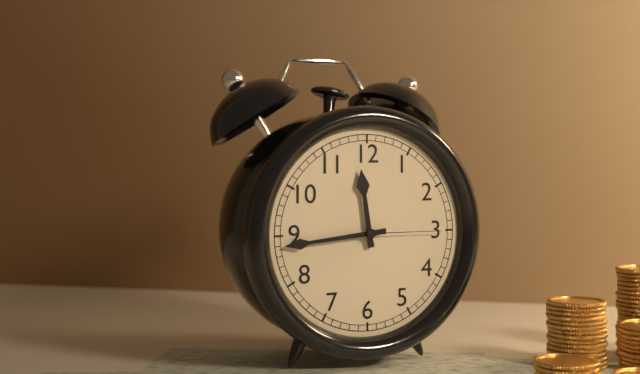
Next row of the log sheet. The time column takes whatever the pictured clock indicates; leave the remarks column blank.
11:44:15
